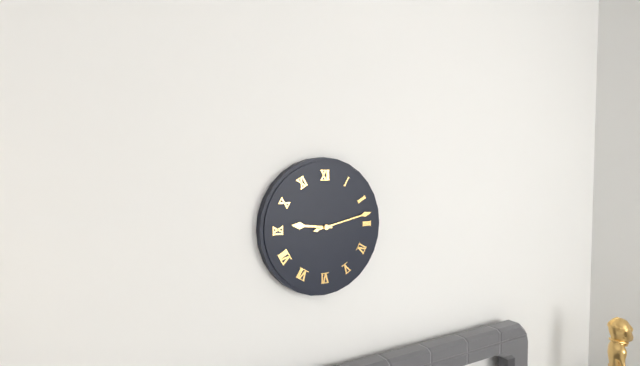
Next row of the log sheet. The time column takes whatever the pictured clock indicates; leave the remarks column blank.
9:13
